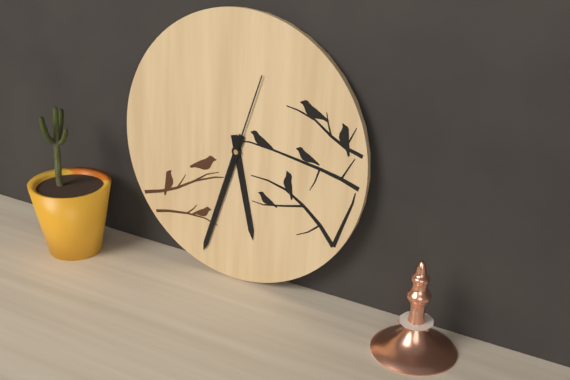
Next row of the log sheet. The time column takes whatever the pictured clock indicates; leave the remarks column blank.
5:33:03
